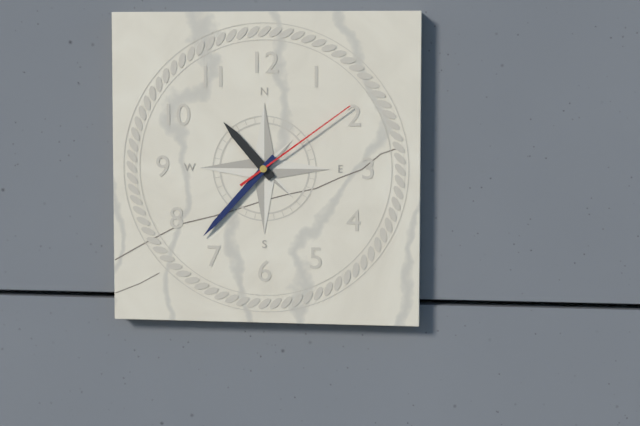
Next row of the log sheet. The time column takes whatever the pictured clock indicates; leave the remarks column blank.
10:37:09
